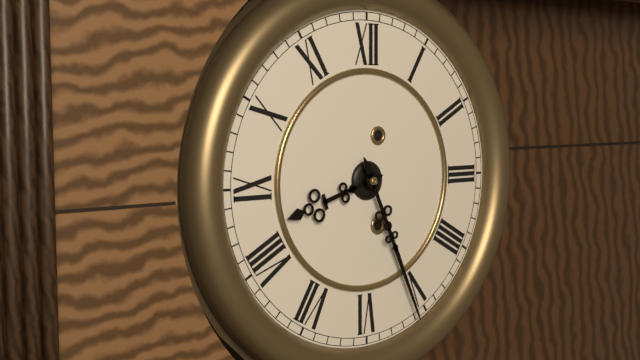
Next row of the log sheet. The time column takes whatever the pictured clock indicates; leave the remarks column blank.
8:26
